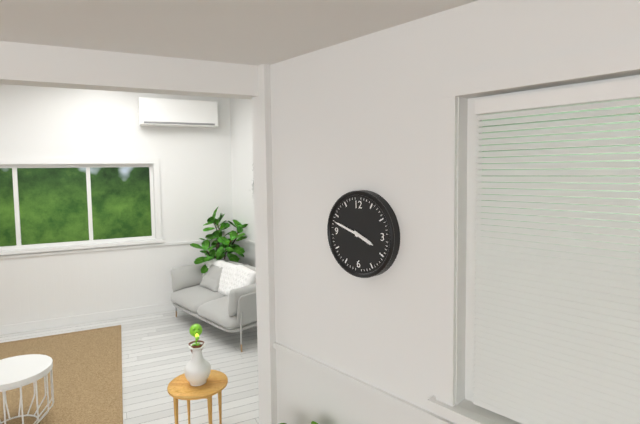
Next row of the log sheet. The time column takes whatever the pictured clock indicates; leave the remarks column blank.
3:48
